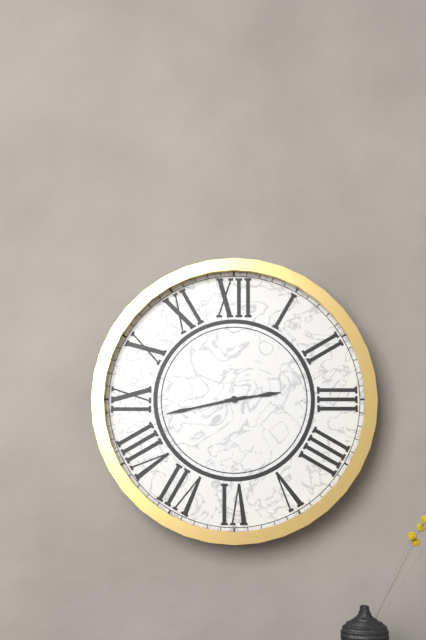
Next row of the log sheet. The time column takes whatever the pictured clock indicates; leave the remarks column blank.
2:43
